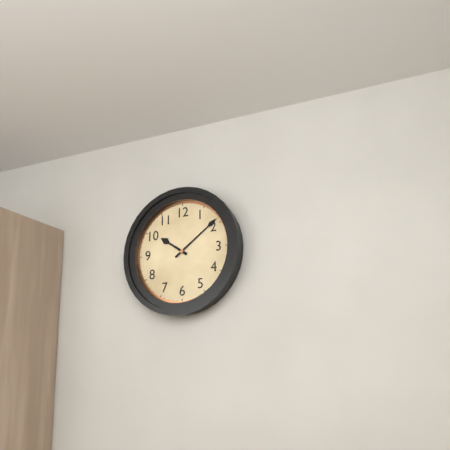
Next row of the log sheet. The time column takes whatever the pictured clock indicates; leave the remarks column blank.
10:09
